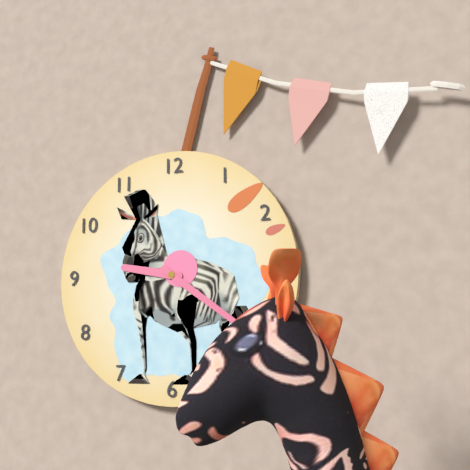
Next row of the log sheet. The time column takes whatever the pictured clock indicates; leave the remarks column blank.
9:21
